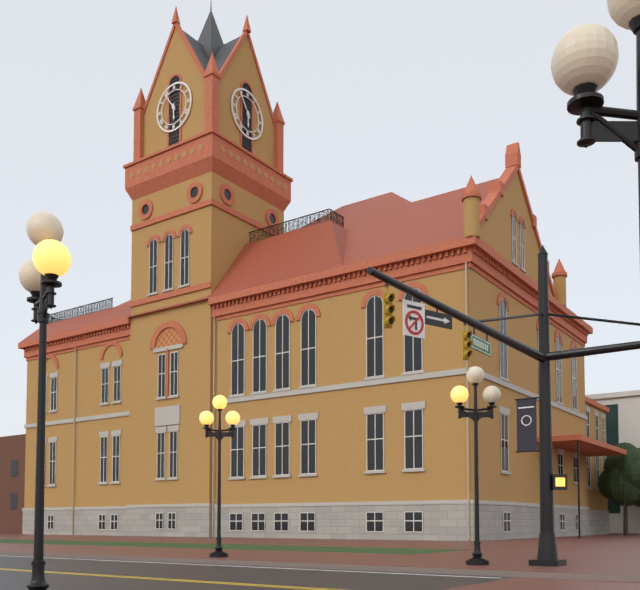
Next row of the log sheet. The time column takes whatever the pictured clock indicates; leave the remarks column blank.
5:54
